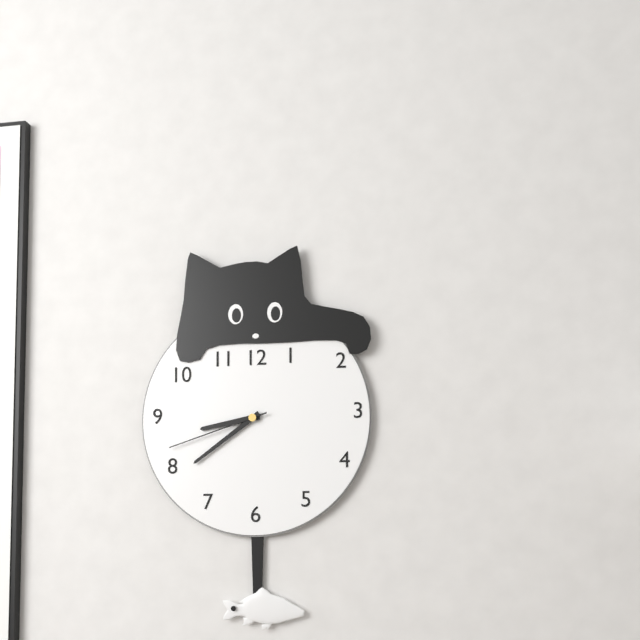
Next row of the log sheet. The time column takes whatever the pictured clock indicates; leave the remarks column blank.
8:39:42
